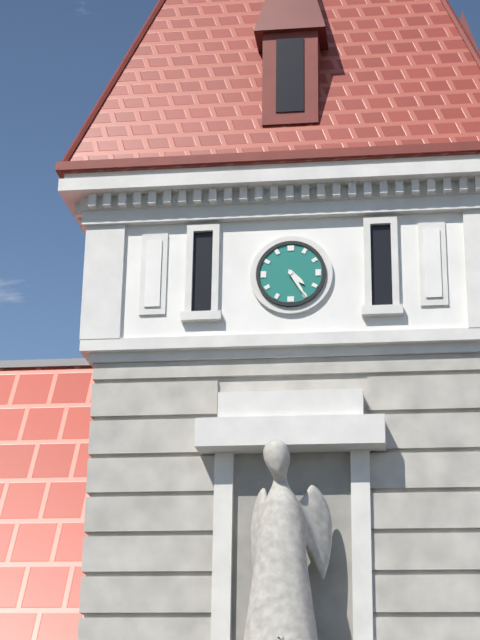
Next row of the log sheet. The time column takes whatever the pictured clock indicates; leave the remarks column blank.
4:25
